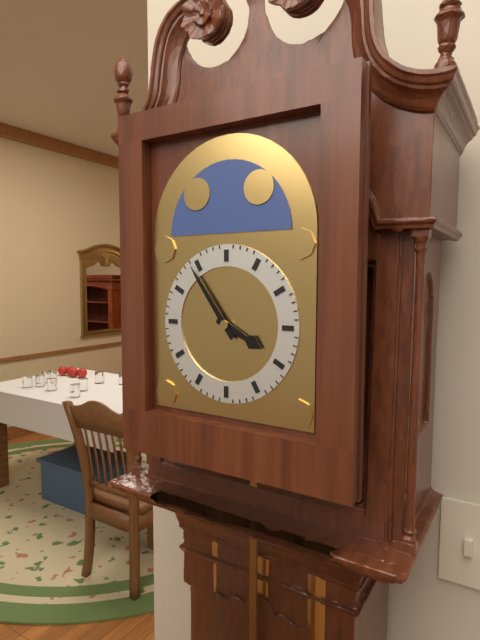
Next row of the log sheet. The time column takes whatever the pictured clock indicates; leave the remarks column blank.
3:54
